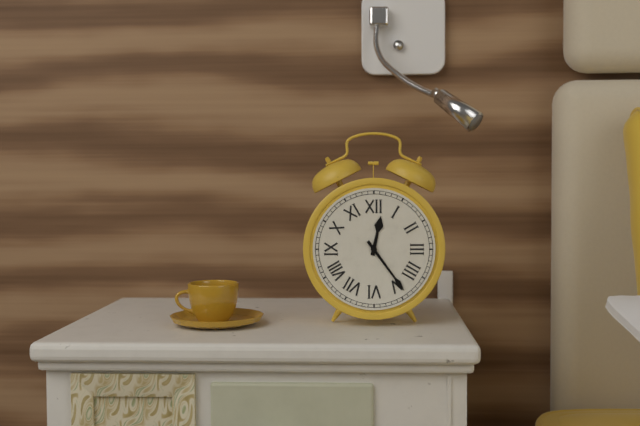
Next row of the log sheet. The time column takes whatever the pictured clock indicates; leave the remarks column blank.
12:24
